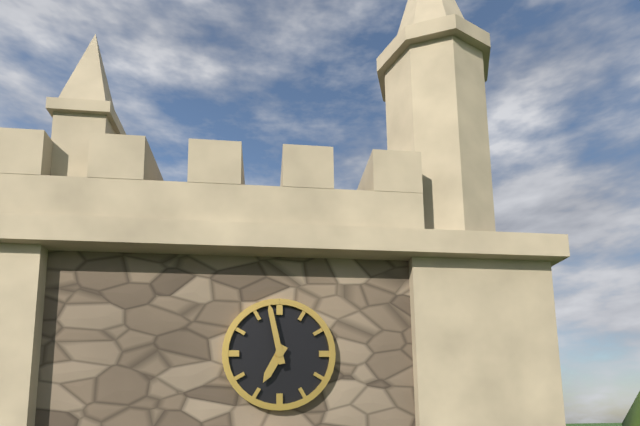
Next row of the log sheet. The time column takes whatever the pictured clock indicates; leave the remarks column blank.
6:58
